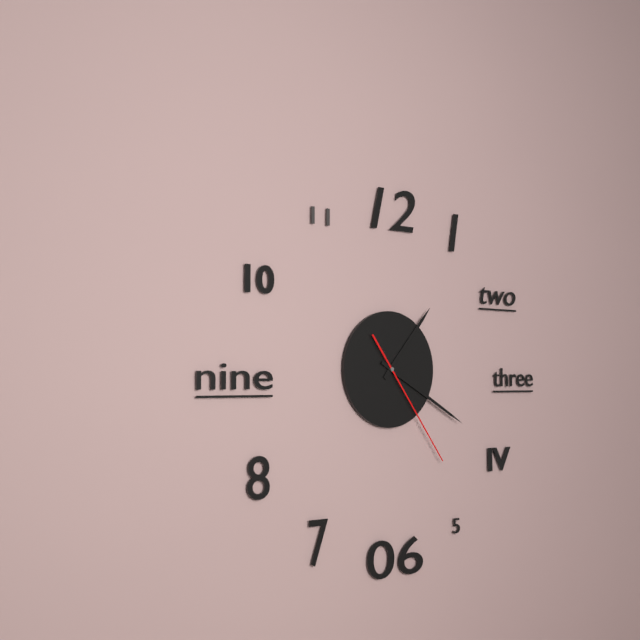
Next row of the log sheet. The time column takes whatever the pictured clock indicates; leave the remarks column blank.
1:20:24
